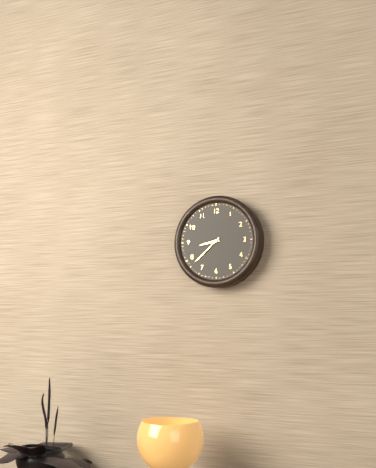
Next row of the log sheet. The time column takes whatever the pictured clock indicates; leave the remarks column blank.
8:38
